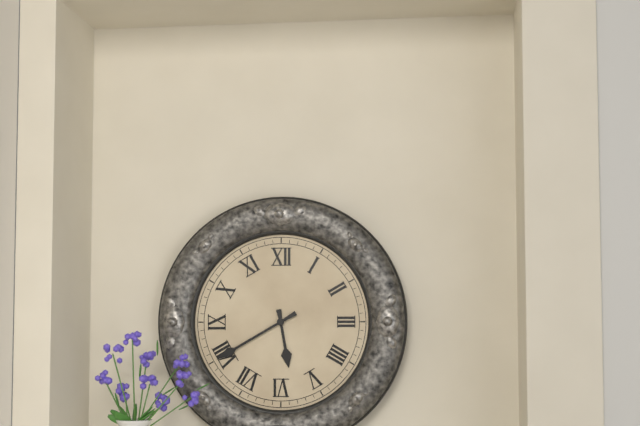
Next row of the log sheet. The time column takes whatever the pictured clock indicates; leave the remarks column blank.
5:40
